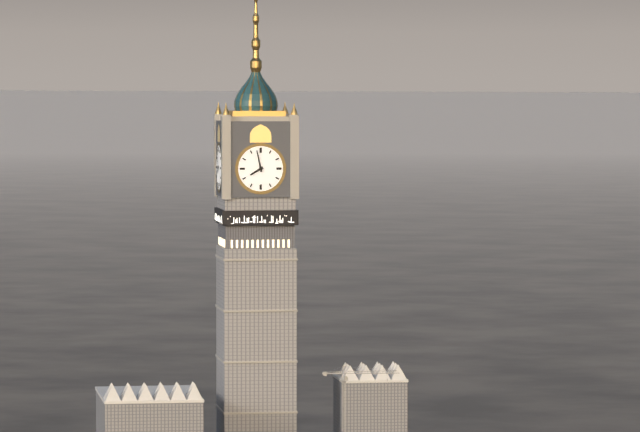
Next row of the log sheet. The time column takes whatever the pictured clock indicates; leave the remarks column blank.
7:58
